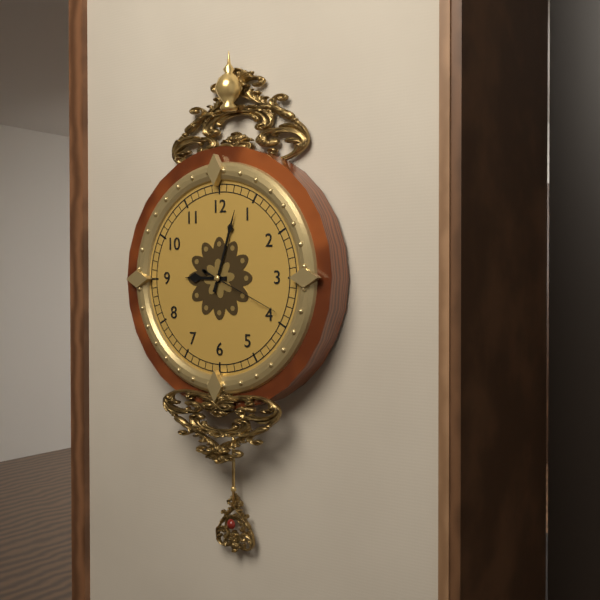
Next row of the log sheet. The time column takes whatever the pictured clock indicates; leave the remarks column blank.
9:03:19
